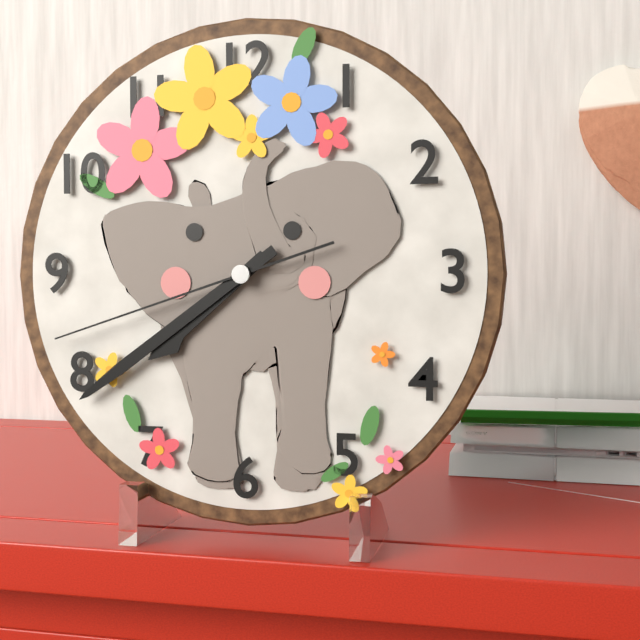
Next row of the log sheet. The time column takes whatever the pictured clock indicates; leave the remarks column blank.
7:39:42
